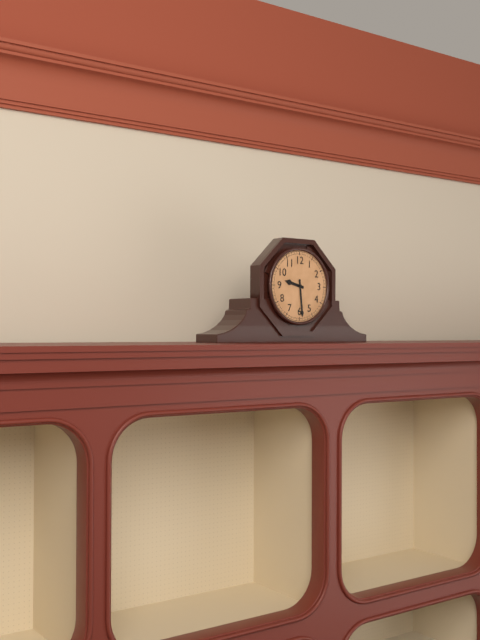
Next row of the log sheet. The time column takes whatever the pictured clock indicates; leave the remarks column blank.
9:29
